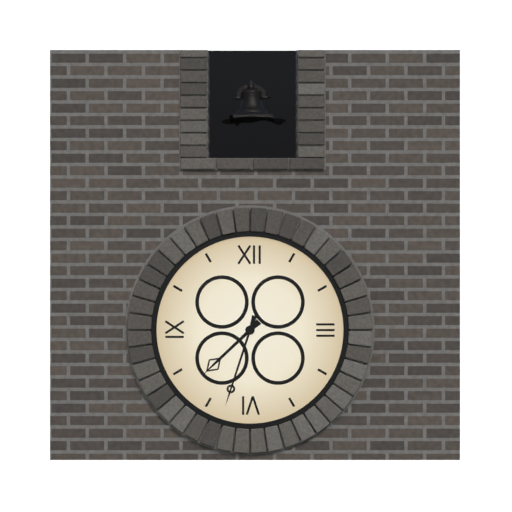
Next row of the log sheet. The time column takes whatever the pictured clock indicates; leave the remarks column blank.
7:33
